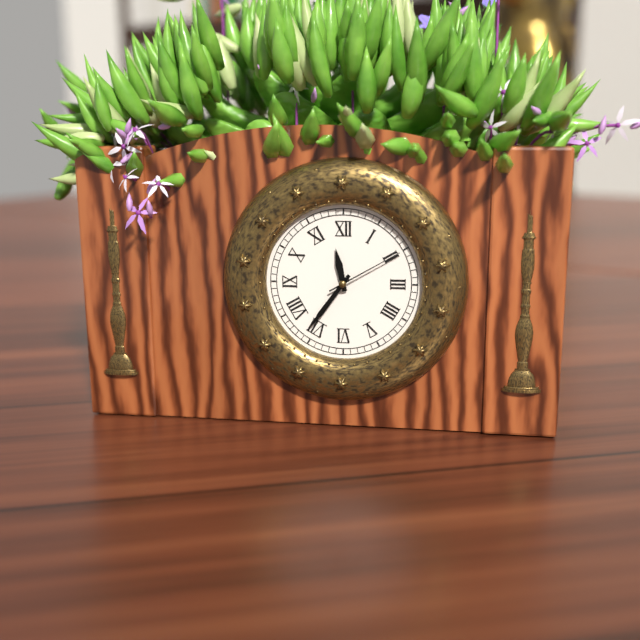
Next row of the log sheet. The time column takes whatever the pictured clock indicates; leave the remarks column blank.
11:36:10
